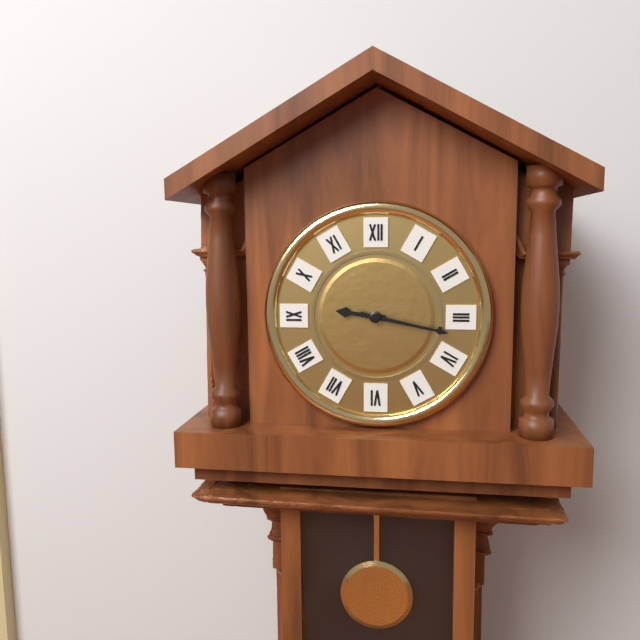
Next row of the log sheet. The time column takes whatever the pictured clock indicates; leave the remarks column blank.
9:17
